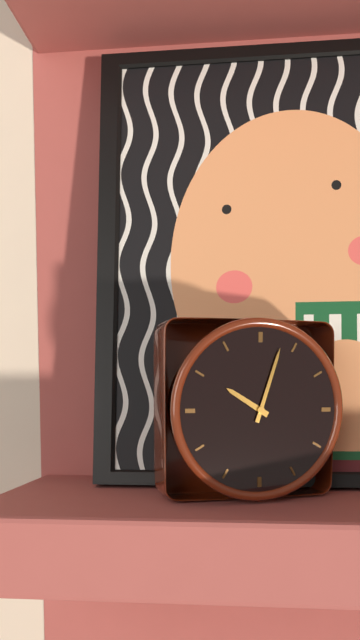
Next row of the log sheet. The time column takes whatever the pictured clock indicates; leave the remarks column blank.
10:03
